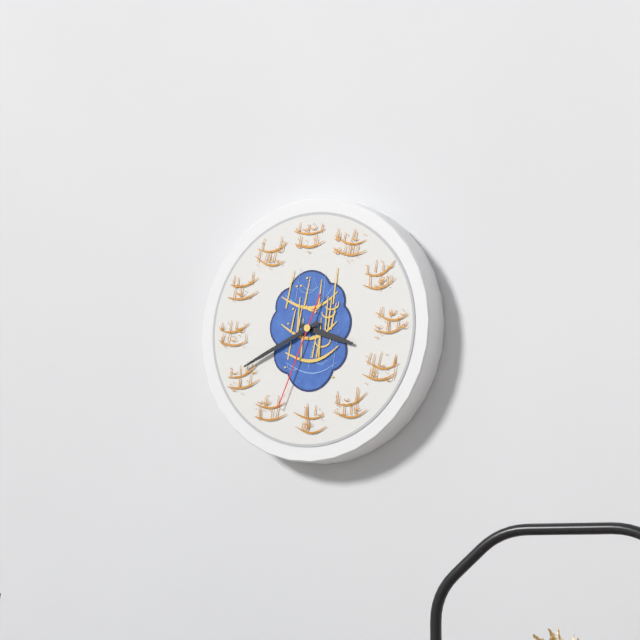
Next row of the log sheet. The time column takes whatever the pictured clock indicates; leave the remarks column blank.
3:41:34
